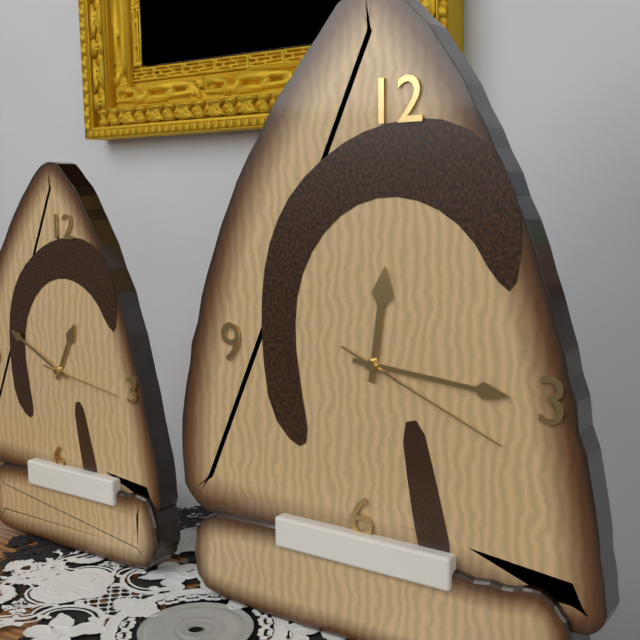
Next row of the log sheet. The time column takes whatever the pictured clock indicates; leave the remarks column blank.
12:16:19
